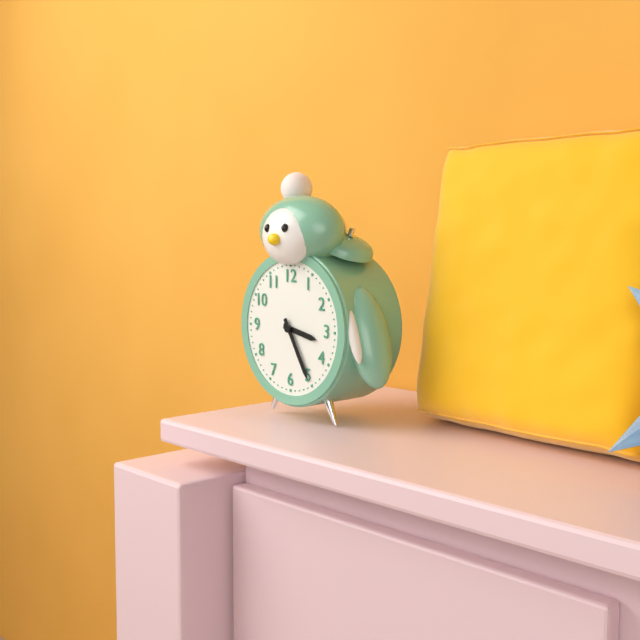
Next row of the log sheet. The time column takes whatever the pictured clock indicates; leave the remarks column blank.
3:25
